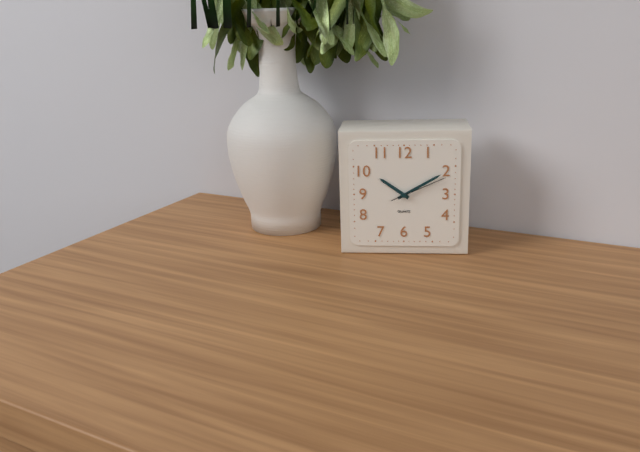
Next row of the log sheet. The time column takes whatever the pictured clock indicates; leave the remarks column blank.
10:10:11
